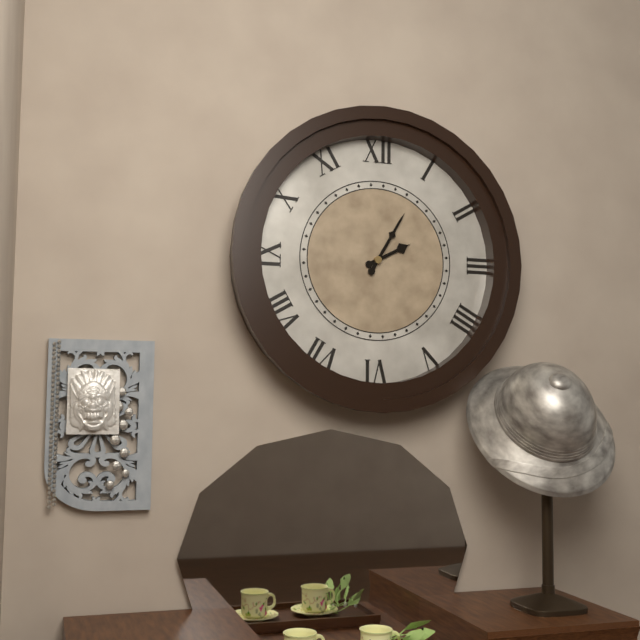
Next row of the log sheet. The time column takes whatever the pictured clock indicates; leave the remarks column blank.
2:05
